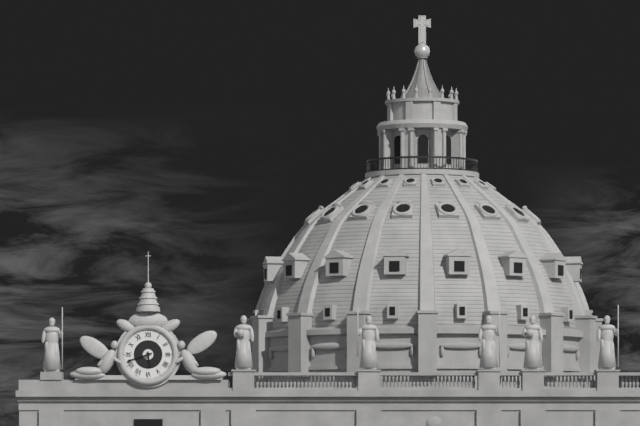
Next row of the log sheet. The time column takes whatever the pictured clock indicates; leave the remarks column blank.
5:42
